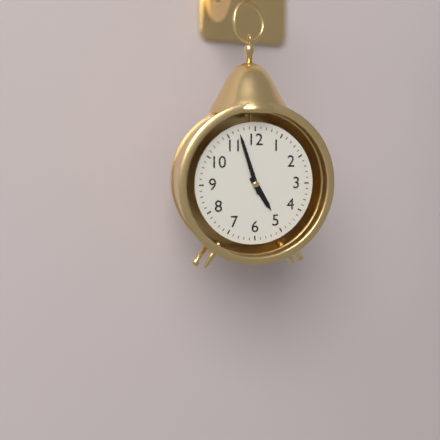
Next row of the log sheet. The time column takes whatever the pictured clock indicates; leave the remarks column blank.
4:57
